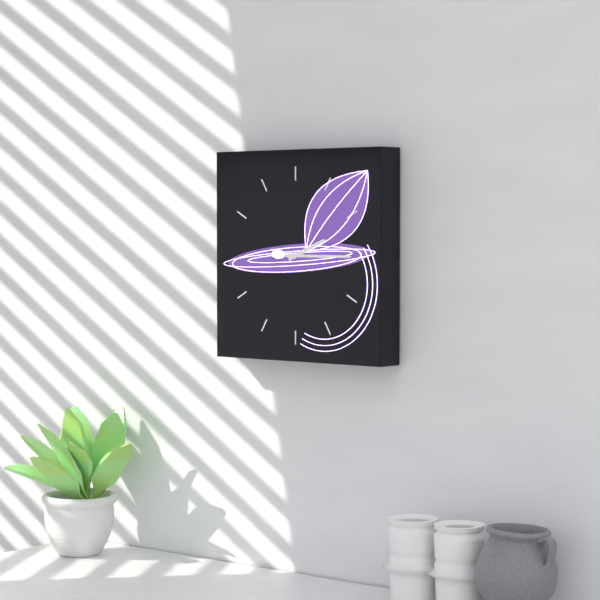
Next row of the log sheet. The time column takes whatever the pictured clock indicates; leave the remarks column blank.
2:15
